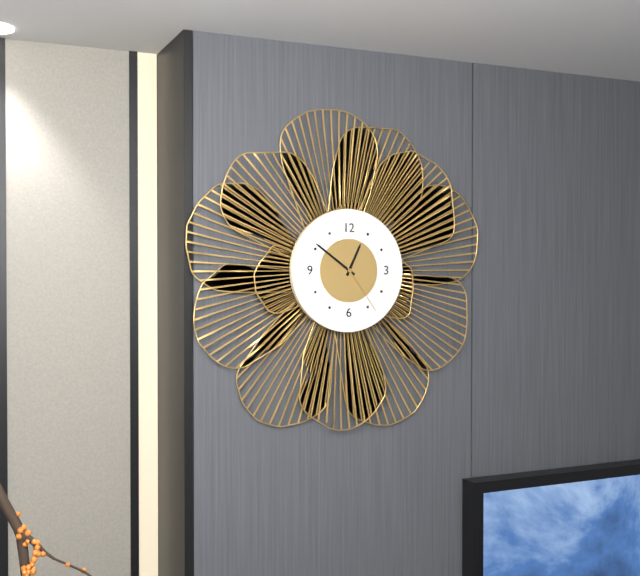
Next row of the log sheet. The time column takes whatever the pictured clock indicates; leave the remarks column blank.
12:51:24
